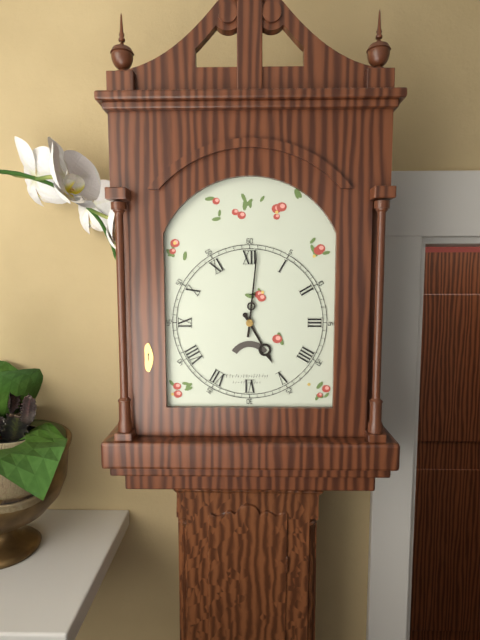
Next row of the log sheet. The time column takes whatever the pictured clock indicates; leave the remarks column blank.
5:01
